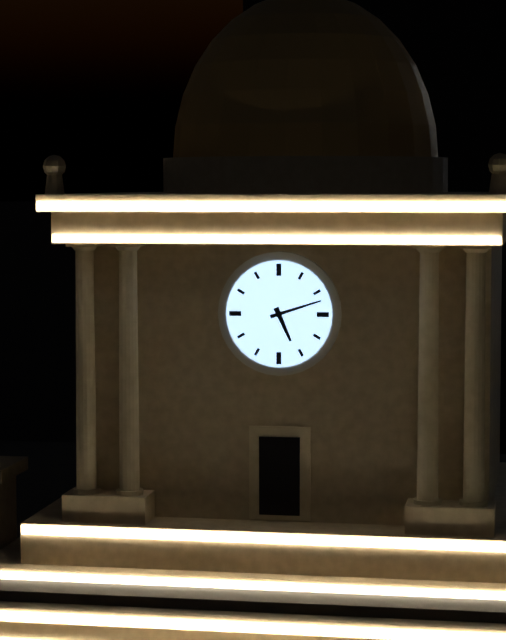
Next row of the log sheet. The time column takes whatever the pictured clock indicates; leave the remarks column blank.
5:12
